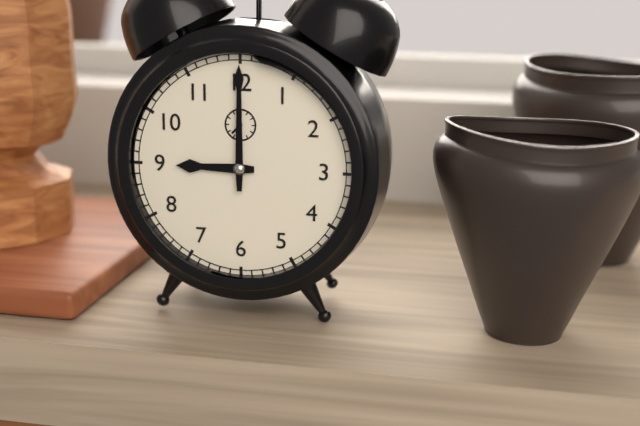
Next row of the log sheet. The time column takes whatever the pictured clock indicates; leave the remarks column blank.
9:00
